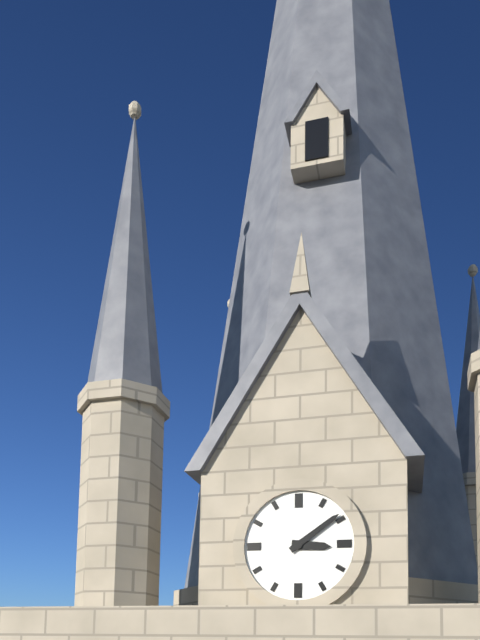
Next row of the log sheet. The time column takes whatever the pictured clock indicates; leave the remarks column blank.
3:09
